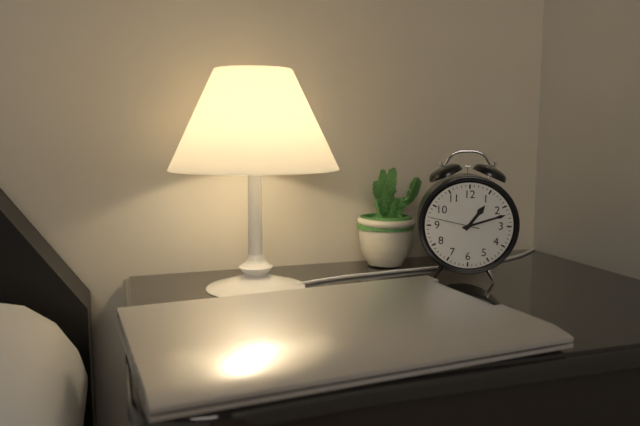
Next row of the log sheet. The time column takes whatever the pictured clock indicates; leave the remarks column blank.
1:12
